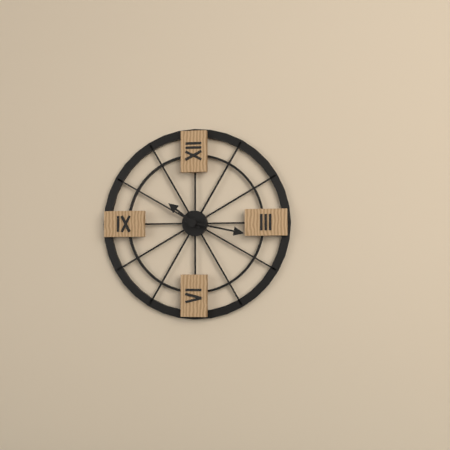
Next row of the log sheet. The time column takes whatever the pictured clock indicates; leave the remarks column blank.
10:17
